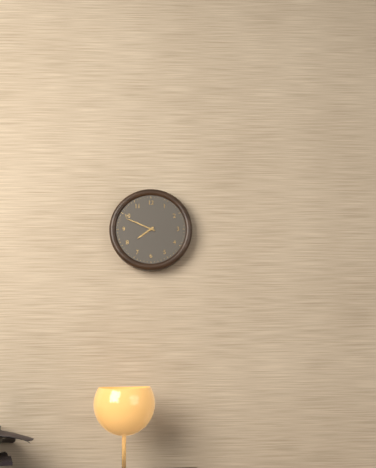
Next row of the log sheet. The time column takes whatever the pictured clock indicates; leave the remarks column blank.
7:49
